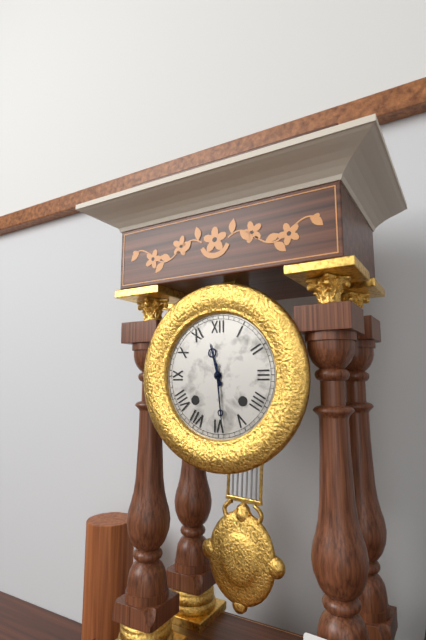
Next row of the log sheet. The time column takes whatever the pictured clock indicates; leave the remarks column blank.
11:29
